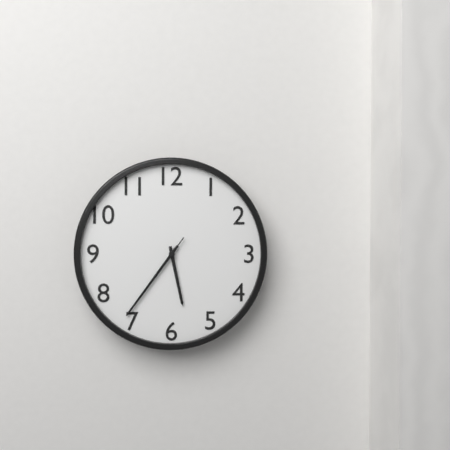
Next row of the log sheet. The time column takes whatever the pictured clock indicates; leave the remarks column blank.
5:36:36
